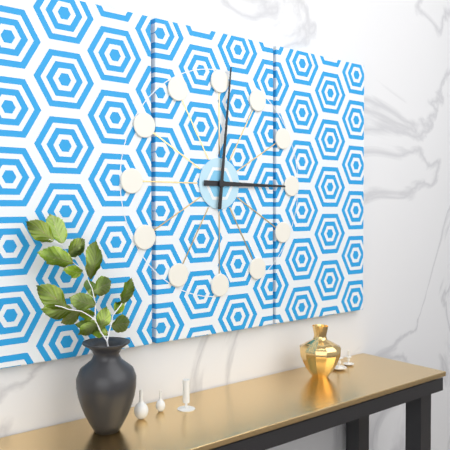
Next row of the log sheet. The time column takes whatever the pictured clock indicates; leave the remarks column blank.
3:01
